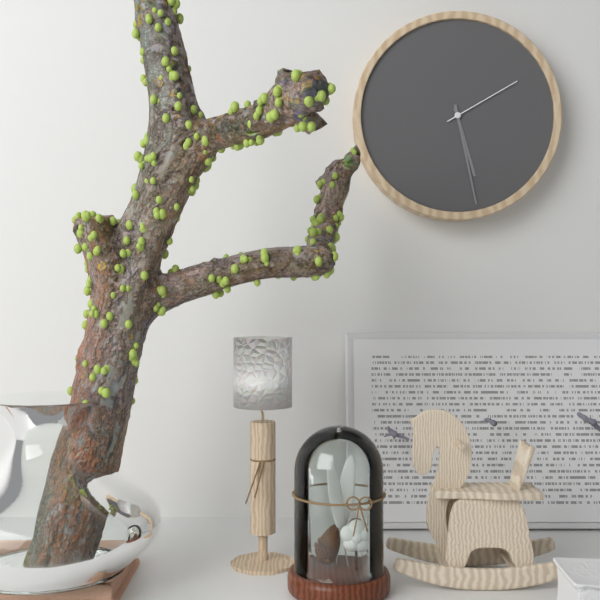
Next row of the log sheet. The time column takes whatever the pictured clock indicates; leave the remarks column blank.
5:28:10
